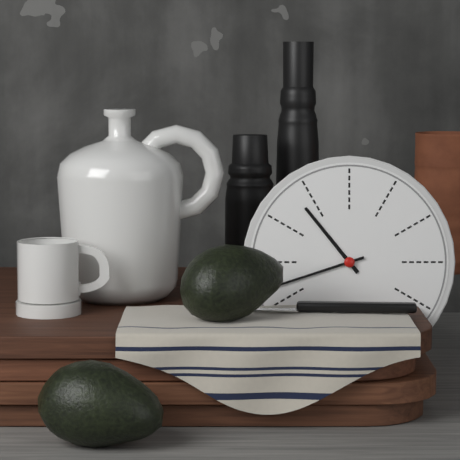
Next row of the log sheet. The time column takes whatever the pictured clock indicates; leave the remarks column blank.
10:42
